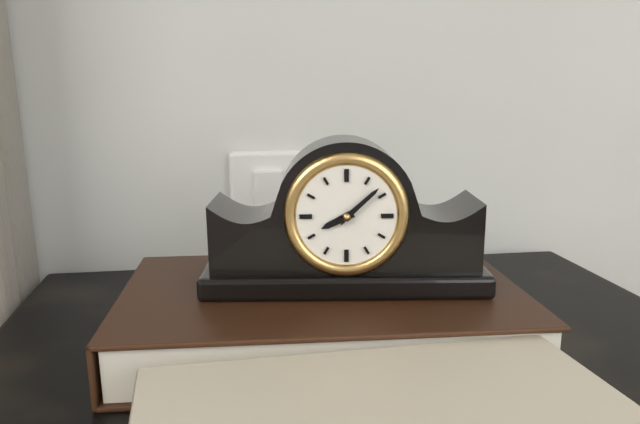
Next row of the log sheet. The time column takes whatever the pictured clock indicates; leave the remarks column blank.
8:08
